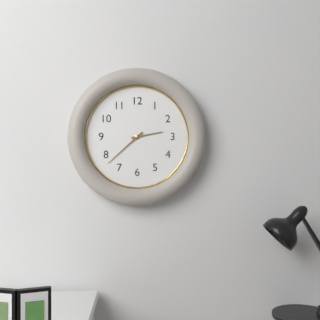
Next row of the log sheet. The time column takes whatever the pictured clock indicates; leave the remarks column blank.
2:38
